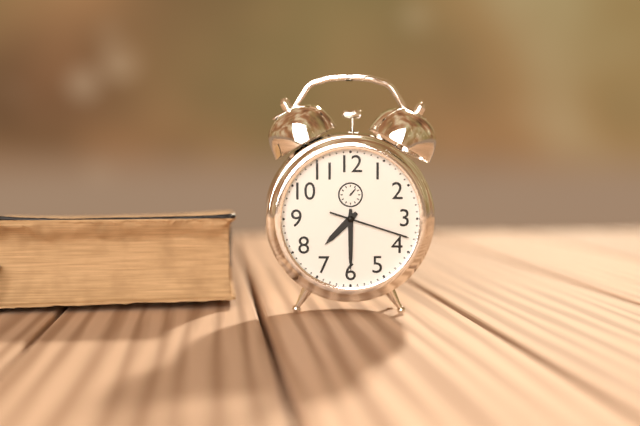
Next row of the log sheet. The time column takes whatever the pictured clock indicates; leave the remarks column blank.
7:30:18
